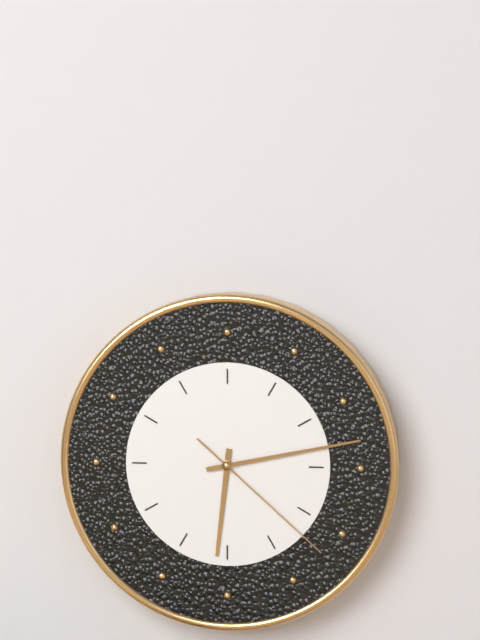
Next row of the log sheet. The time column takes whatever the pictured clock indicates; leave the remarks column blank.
6:13:22
